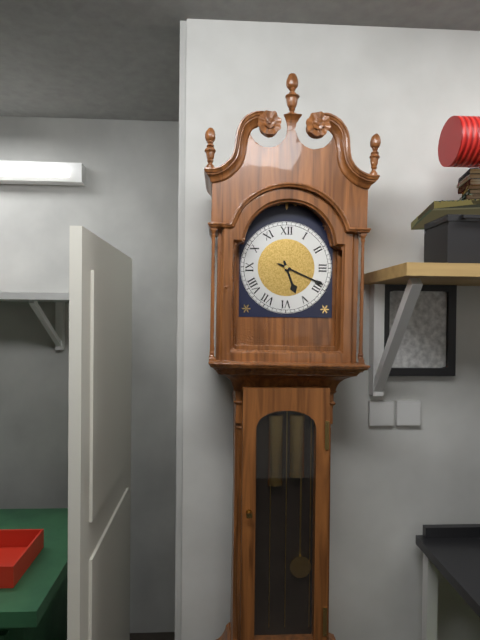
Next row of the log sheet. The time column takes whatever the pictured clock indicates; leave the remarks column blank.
5:19
